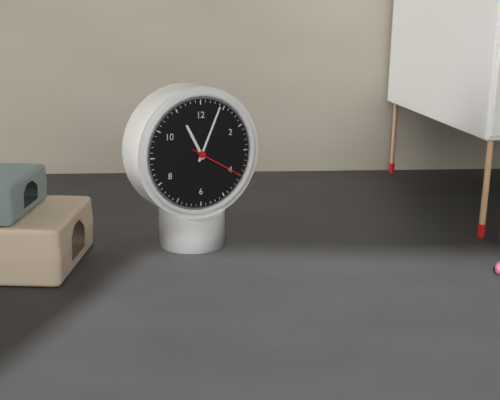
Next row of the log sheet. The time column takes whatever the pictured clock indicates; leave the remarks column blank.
11:04:20
